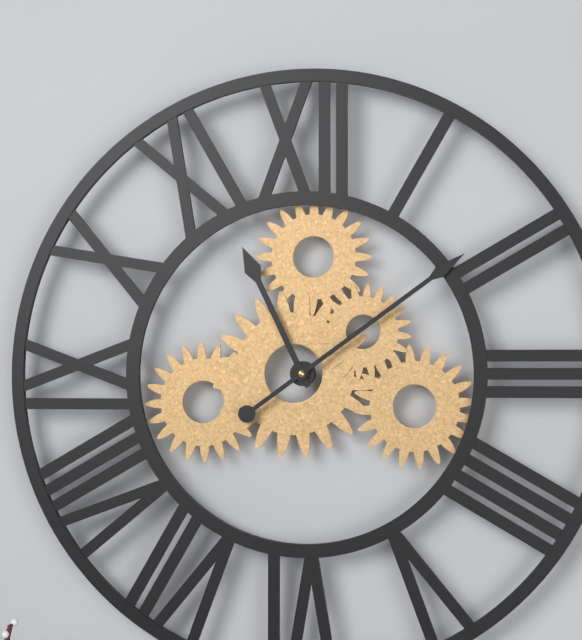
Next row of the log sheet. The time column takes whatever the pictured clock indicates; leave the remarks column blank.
11:09
